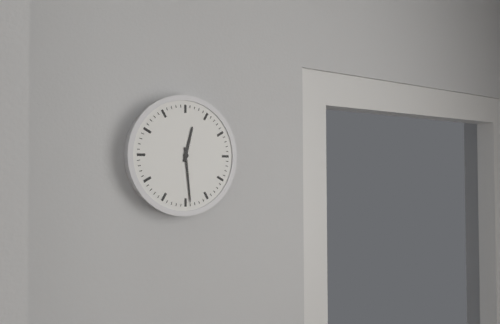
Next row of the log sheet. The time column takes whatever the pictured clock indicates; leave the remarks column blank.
12:29
